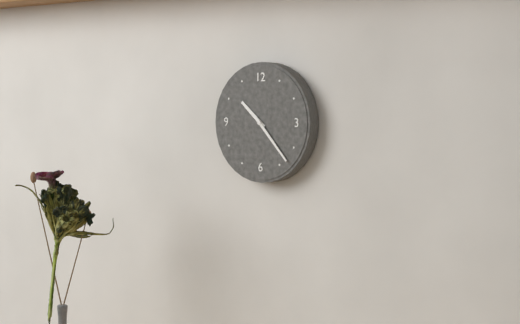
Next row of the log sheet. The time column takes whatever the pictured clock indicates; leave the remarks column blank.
10:23
